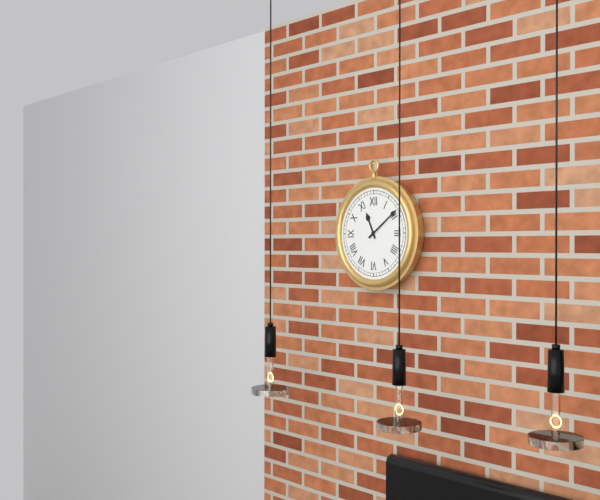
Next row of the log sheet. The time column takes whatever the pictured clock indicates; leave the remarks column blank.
11:09
